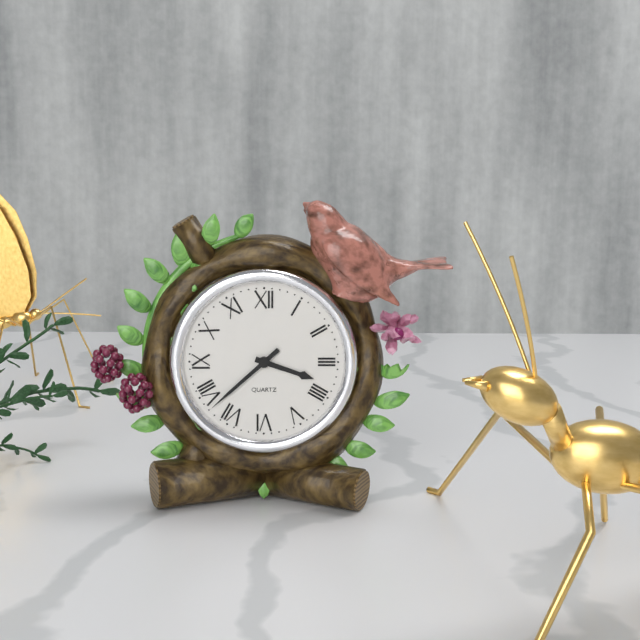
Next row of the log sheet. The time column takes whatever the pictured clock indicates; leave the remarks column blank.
3:38
